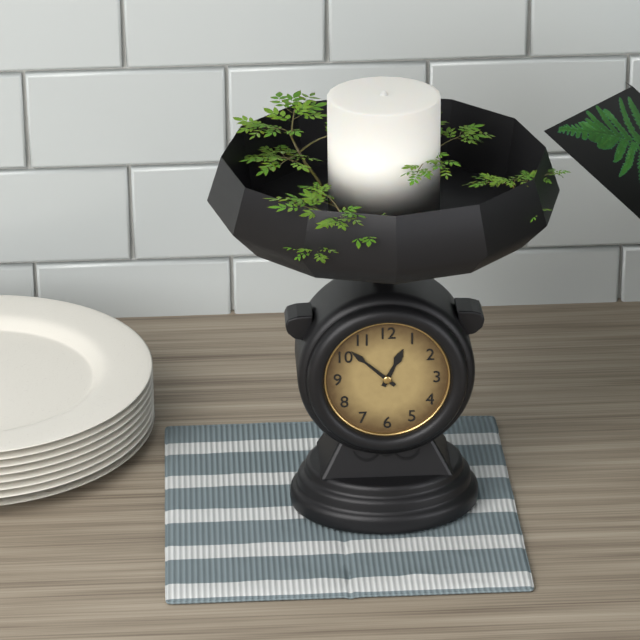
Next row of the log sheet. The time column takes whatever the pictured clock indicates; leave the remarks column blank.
12:52
